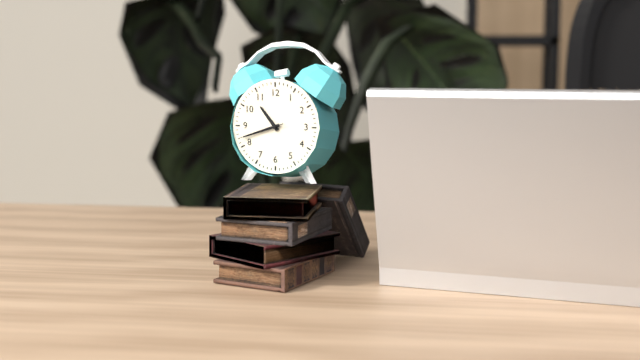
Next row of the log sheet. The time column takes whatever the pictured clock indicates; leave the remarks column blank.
10:42
